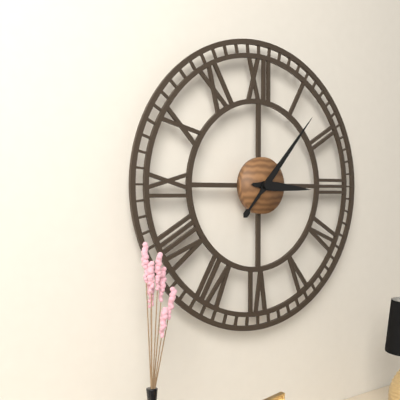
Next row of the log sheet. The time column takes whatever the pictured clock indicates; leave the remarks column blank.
3:07
